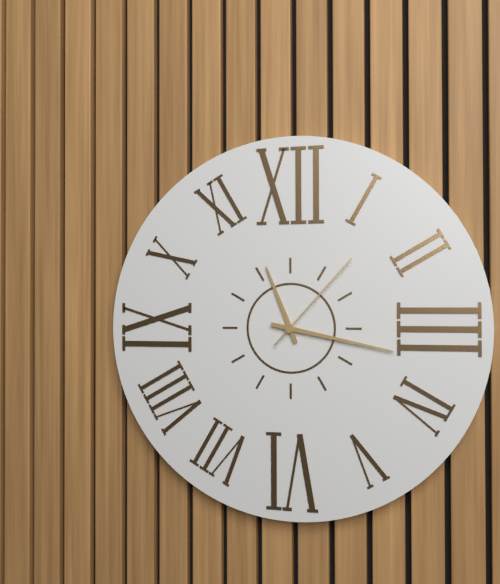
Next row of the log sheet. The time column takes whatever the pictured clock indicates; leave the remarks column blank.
11:17:07
